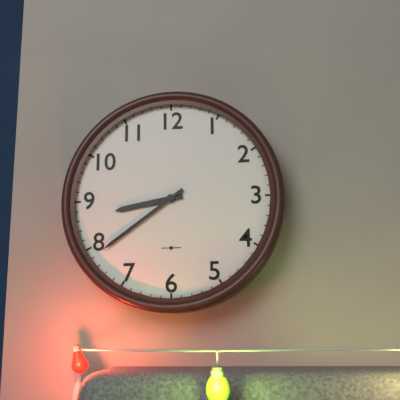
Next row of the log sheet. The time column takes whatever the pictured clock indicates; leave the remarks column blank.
8:39
